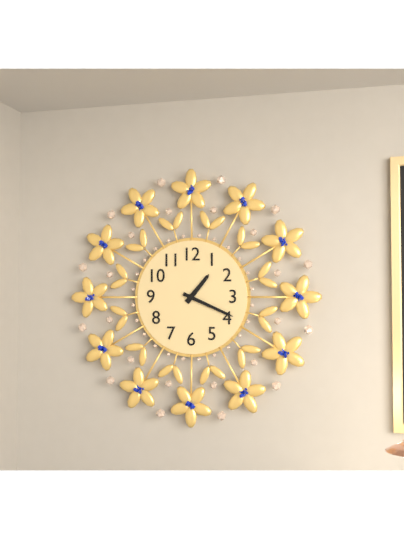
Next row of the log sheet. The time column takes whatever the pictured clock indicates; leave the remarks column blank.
1:19
